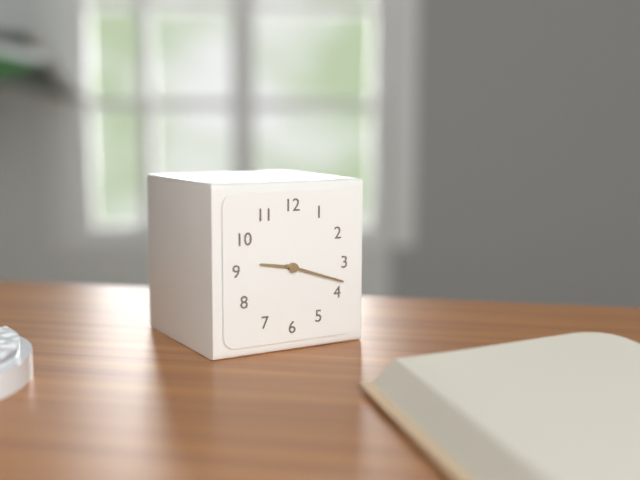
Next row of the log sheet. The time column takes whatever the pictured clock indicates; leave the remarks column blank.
9:18
